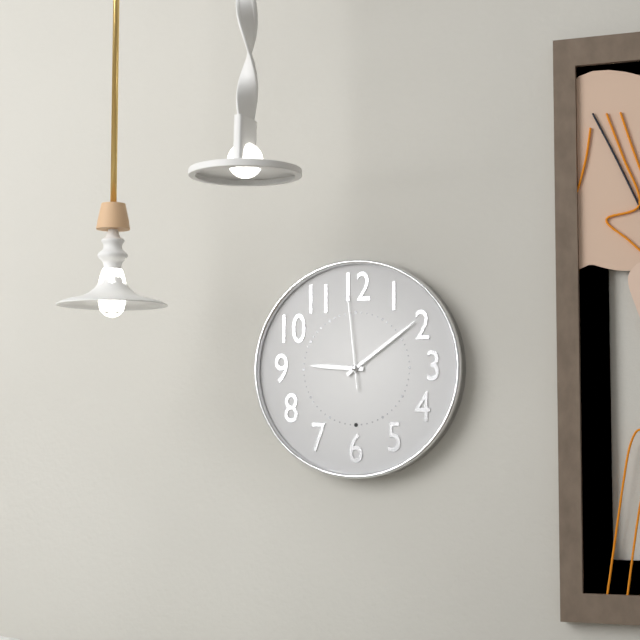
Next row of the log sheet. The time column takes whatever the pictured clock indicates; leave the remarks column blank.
9:09:59
